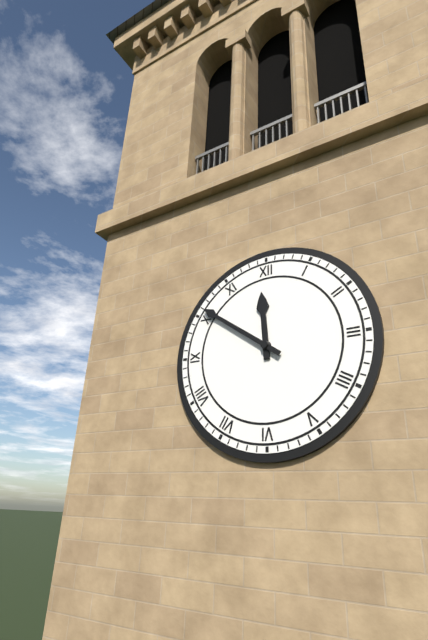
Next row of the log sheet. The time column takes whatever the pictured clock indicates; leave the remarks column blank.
11:51
